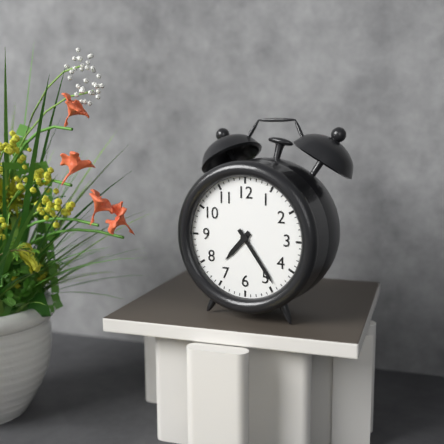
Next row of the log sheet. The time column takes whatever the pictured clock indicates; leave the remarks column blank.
7:24
